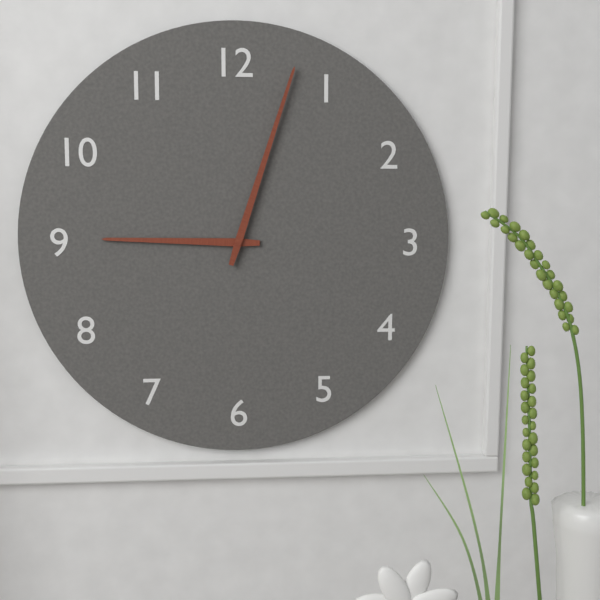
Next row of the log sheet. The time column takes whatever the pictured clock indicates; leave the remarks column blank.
9:03
